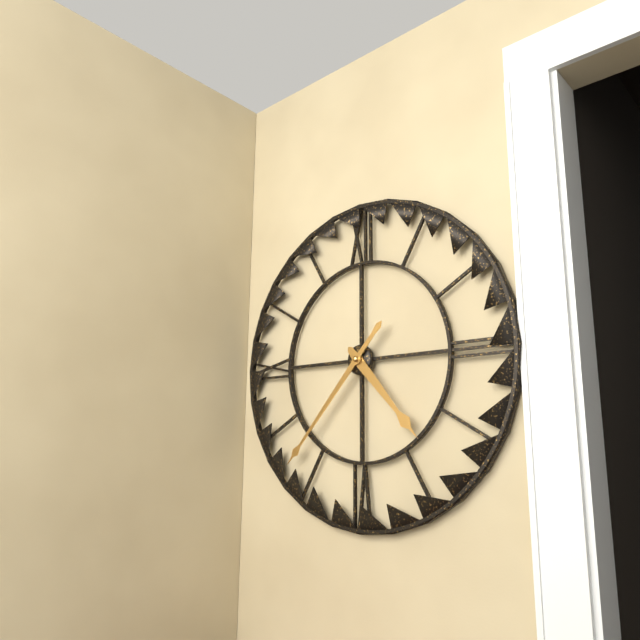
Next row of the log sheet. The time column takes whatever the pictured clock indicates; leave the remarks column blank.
4:37
